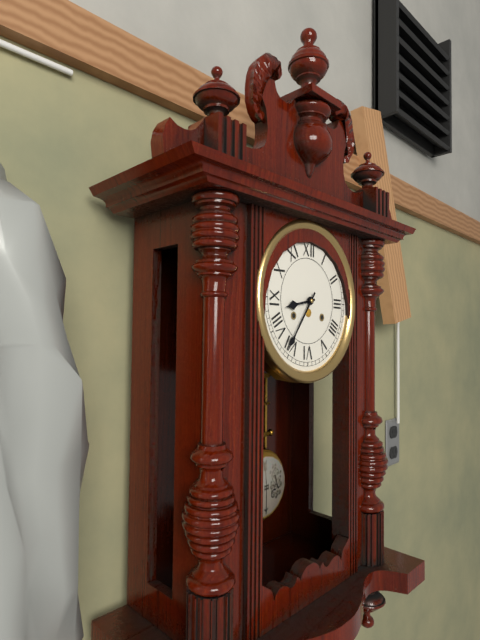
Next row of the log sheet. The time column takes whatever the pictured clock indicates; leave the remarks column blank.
8:36
